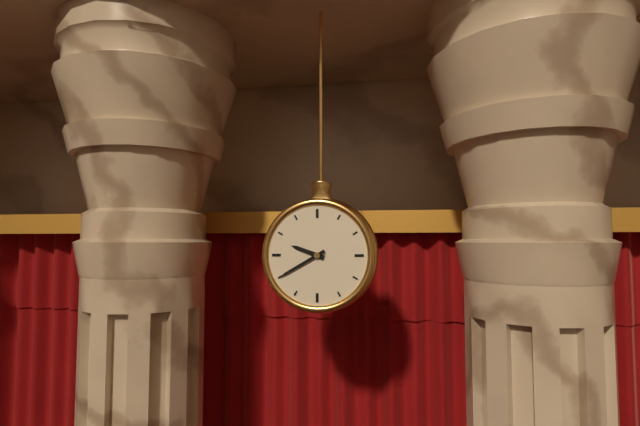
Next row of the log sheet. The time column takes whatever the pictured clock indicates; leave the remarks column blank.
9:40
